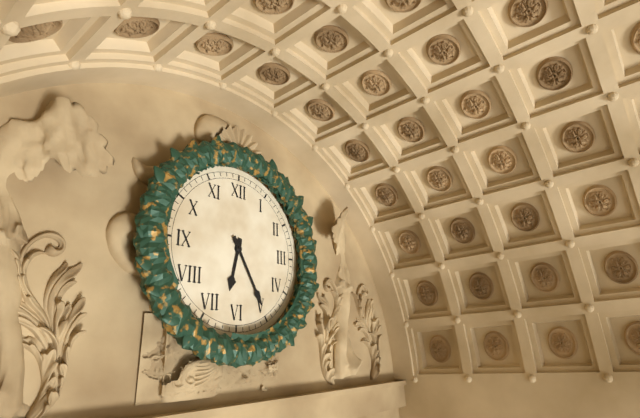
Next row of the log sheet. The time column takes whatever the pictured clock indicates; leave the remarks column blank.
6:25
